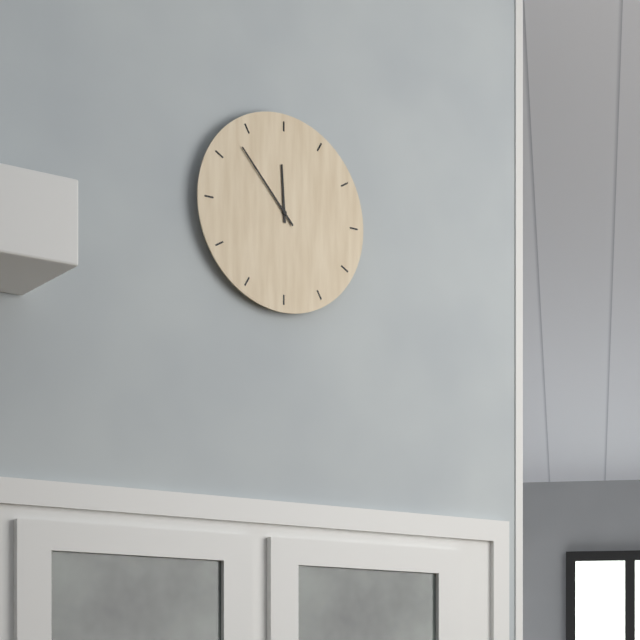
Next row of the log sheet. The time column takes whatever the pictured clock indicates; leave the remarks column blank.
11:53
